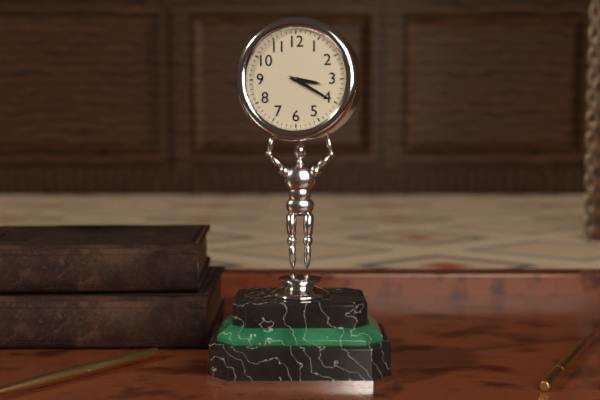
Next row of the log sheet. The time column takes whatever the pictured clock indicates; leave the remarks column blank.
3:20
